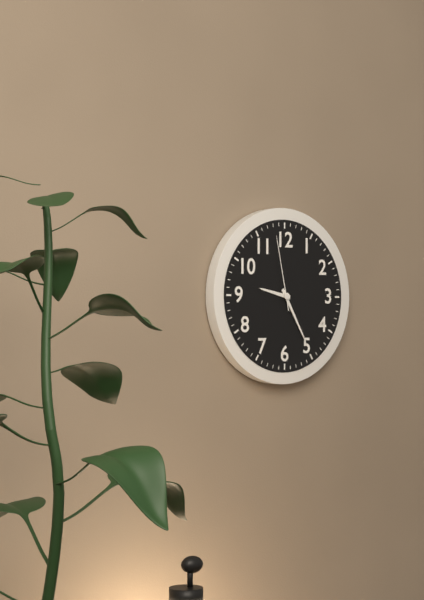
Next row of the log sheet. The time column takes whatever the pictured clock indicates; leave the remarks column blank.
9:25:58
